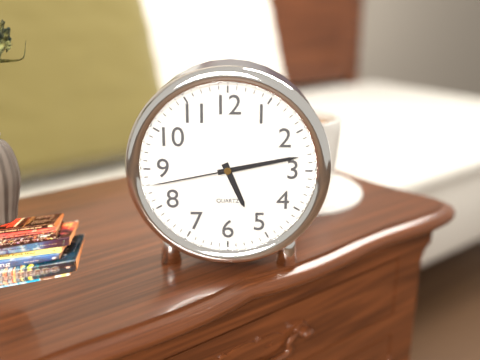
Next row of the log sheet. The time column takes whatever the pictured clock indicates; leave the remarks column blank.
5:13:43
